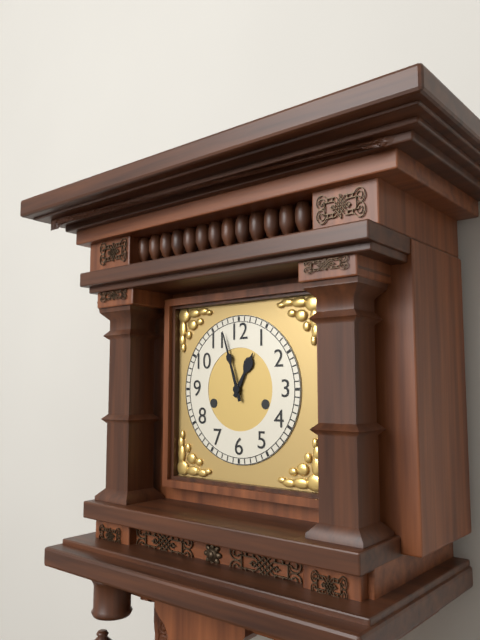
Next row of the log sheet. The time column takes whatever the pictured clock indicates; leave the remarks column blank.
12:57
